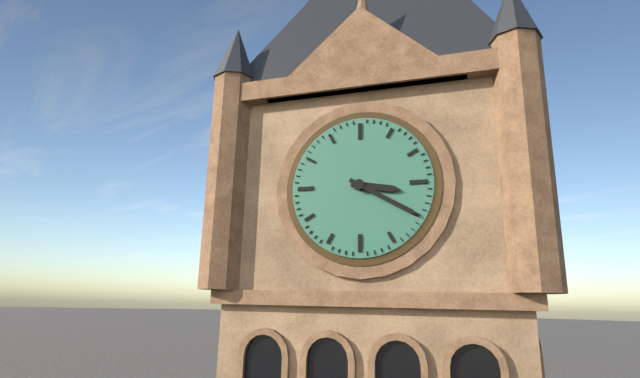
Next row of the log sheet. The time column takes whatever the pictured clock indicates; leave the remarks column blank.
3:20
